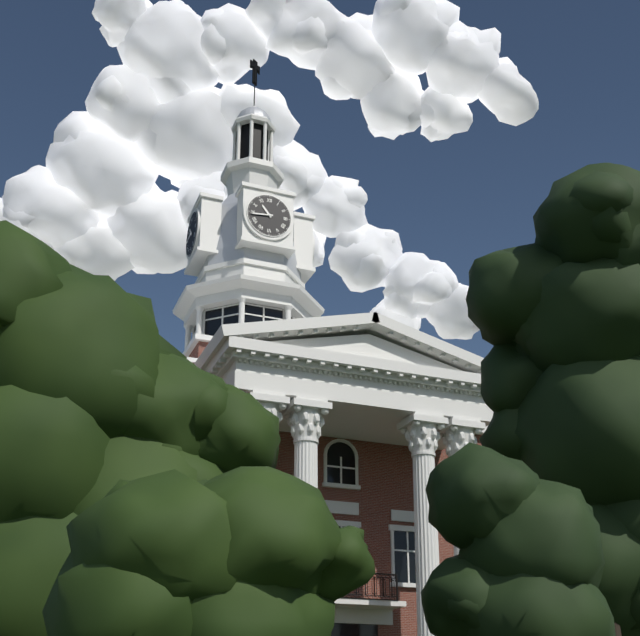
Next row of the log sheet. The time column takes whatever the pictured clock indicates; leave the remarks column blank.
10:44
